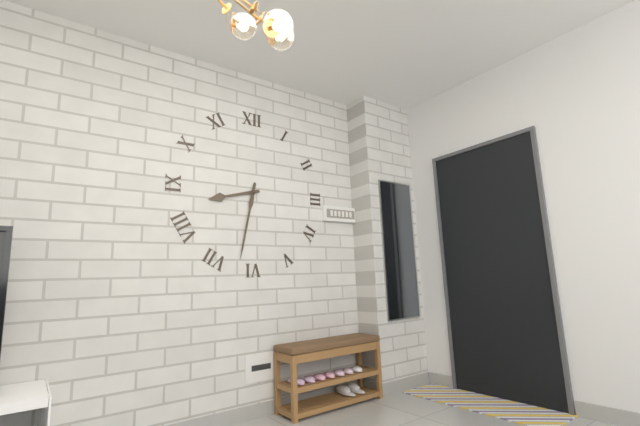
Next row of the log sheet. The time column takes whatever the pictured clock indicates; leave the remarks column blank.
8:32
